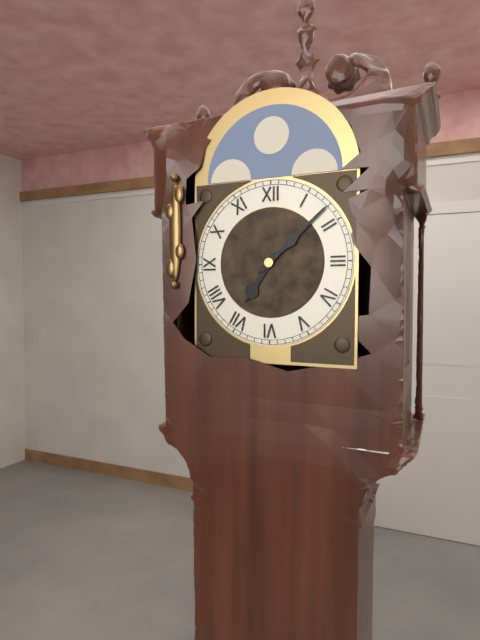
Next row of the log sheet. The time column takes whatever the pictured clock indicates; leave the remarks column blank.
7:08
